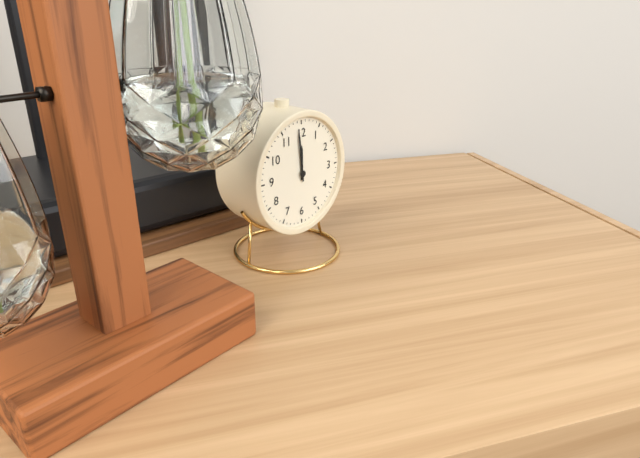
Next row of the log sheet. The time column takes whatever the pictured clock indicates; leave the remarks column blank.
11:59
